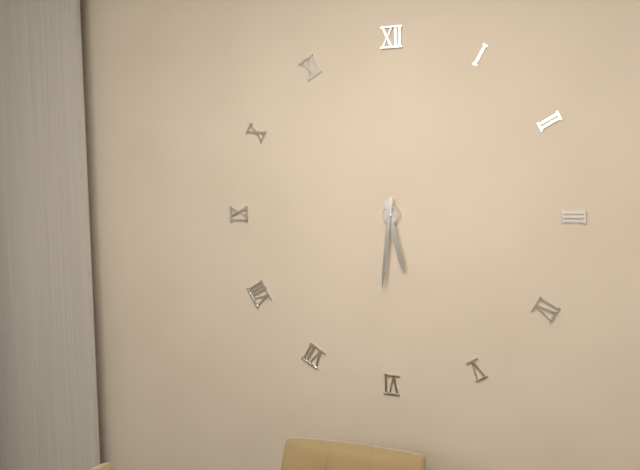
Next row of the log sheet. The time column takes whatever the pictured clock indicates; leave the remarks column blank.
5:31
